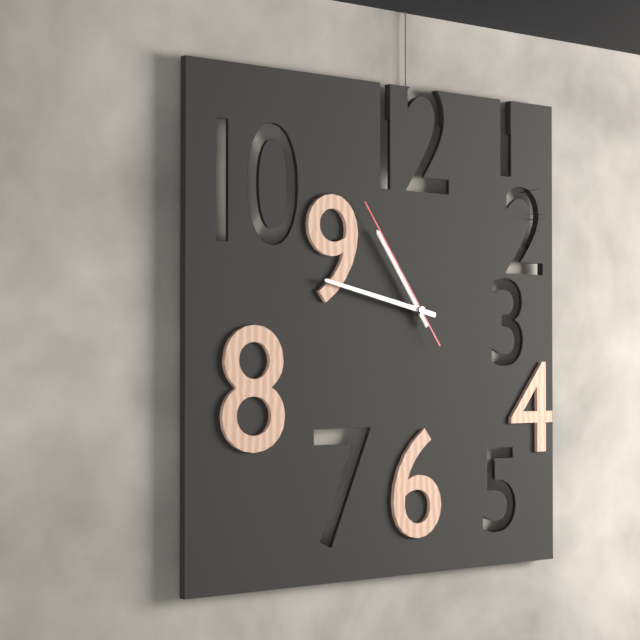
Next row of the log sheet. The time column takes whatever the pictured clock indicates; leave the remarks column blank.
10:47:54
